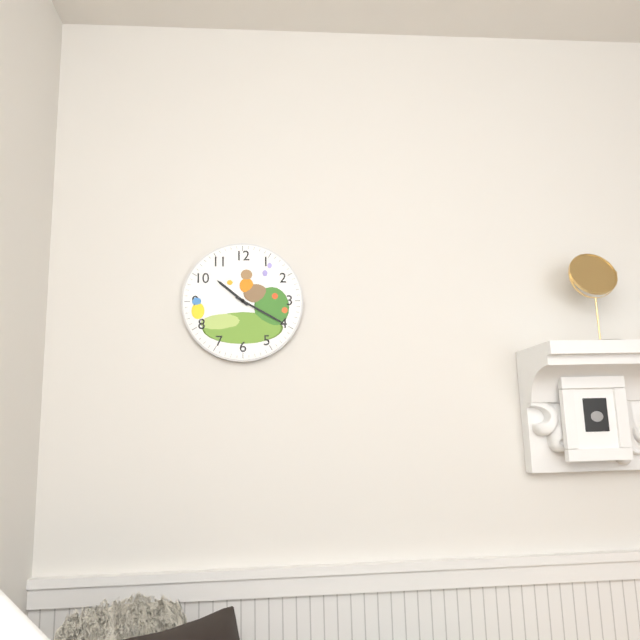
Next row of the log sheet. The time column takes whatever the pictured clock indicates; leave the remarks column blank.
10:20
